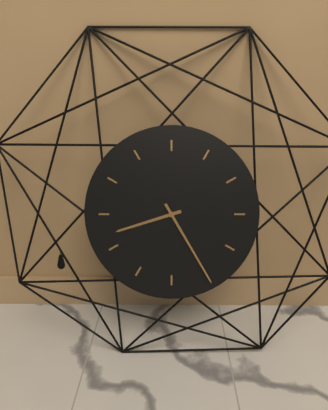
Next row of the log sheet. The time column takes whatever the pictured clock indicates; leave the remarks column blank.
8:25
